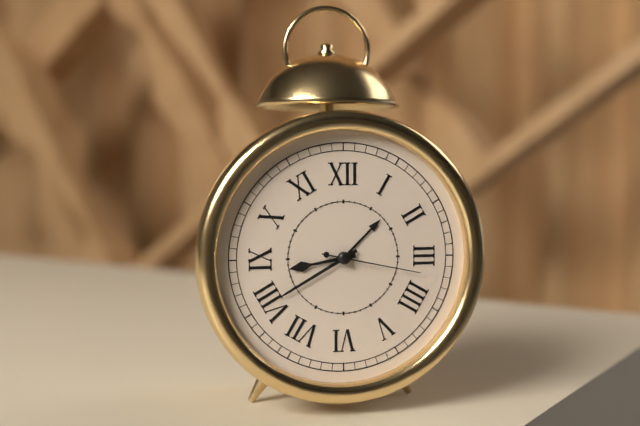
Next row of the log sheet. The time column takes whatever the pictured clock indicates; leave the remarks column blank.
8:40:17
